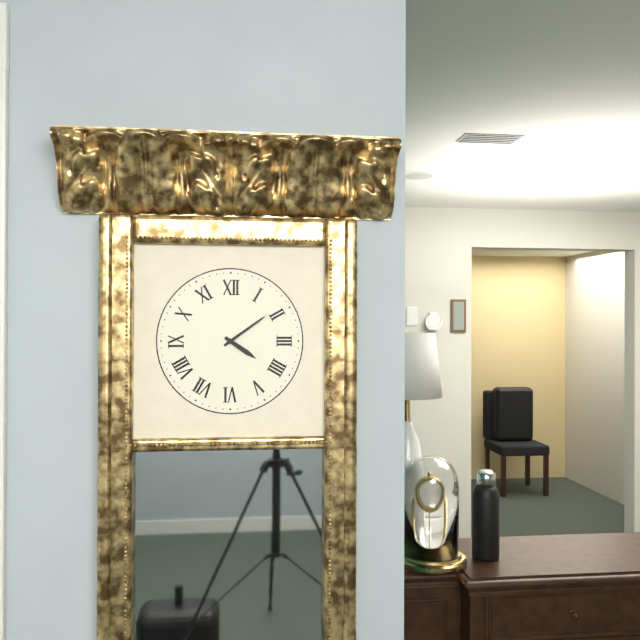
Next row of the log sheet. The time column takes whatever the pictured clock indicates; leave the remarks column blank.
4:09
